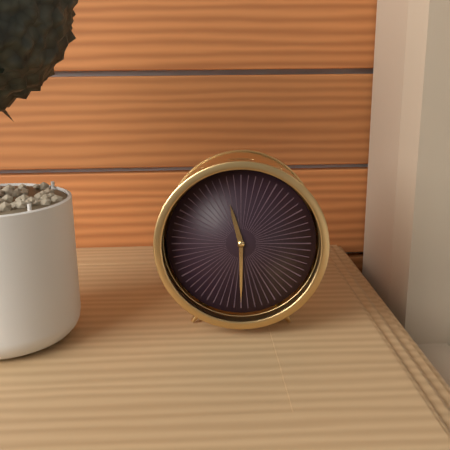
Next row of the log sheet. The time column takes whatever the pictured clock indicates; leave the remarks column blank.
11:30
